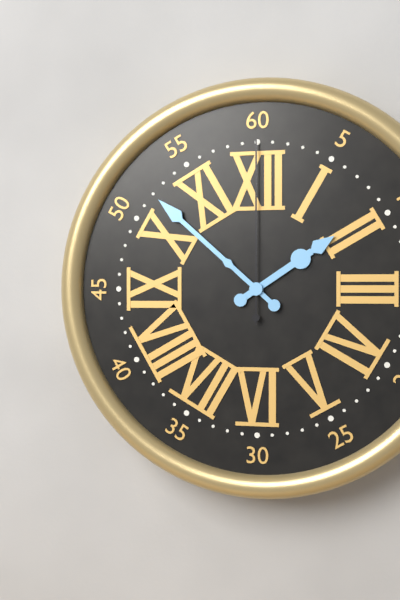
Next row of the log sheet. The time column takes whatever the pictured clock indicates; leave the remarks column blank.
1:52:00
